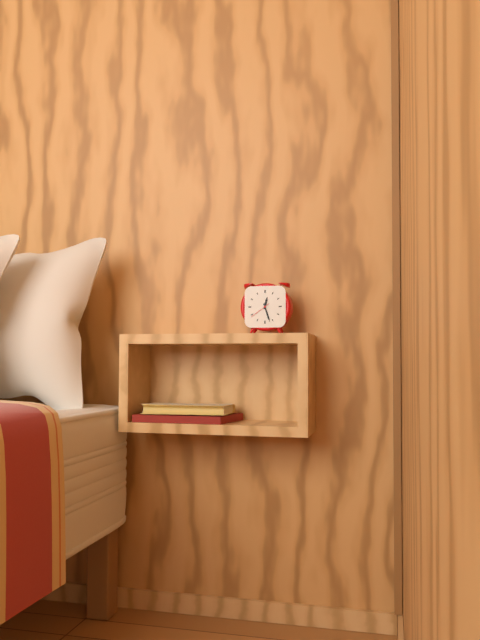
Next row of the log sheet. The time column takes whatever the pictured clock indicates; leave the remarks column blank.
12:27
